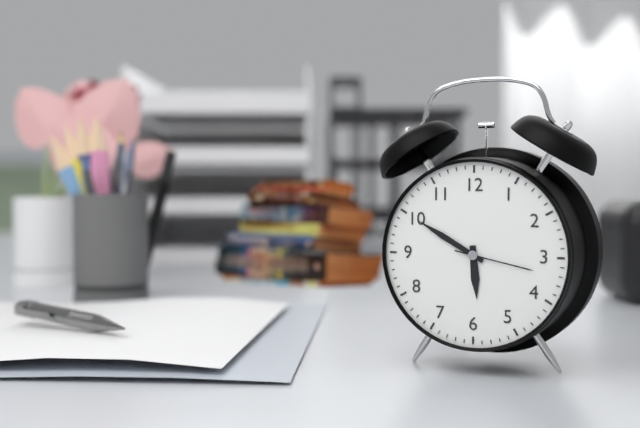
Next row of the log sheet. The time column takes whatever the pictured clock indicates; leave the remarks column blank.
5:50:17
